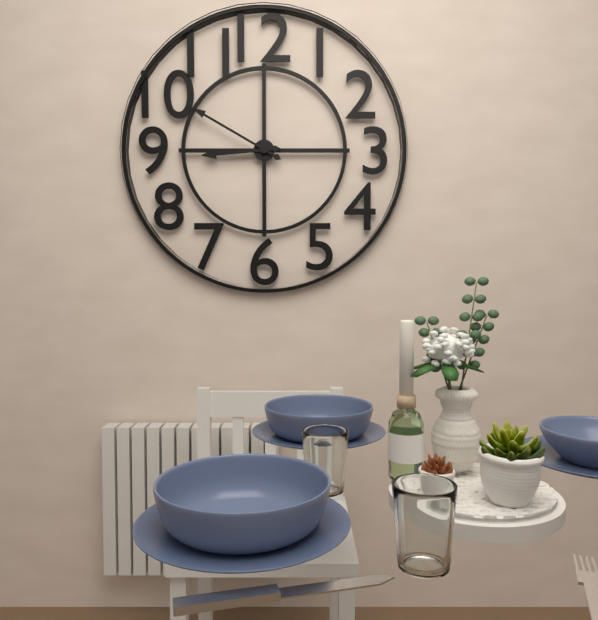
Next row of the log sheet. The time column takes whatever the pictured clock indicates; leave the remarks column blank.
8:50
